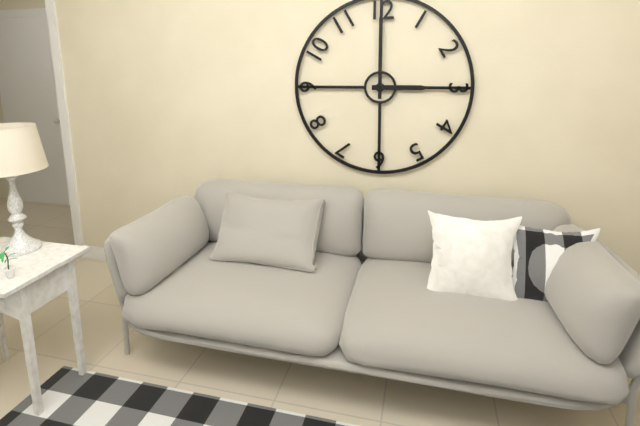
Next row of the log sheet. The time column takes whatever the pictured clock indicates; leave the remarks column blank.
3:00
